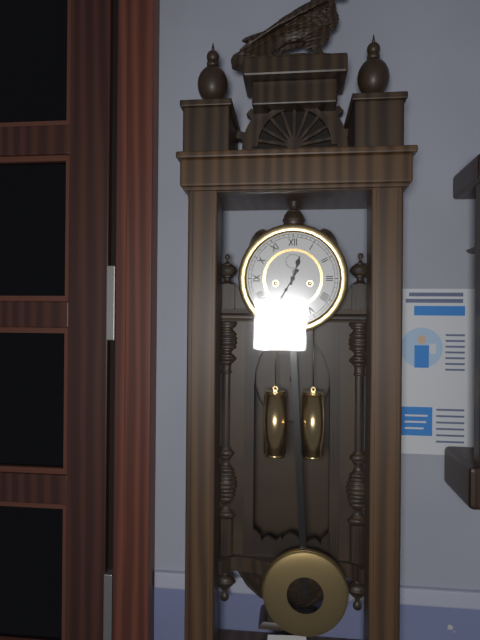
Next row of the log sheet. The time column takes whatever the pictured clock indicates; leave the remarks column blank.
12:35
